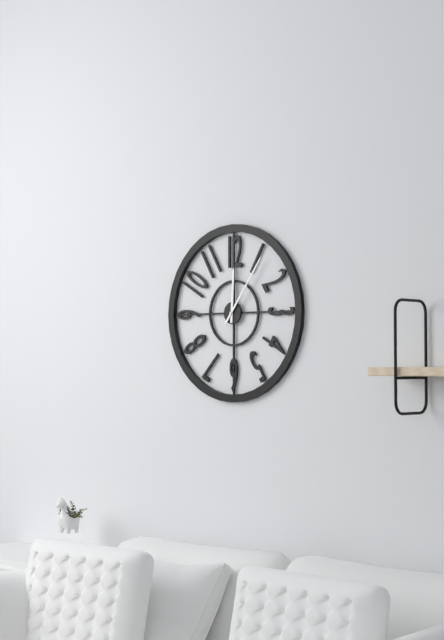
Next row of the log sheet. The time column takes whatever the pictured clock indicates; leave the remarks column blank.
12:06
